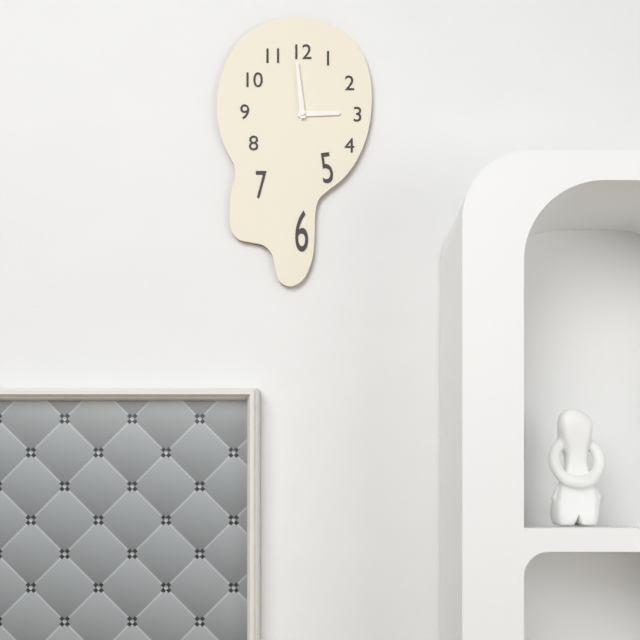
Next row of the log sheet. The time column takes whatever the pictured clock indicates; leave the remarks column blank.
2:59
